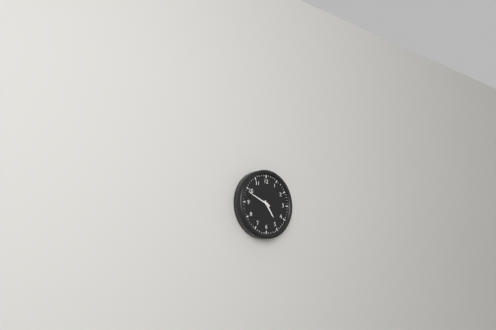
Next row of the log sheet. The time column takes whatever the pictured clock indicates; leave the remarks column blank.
4:49
